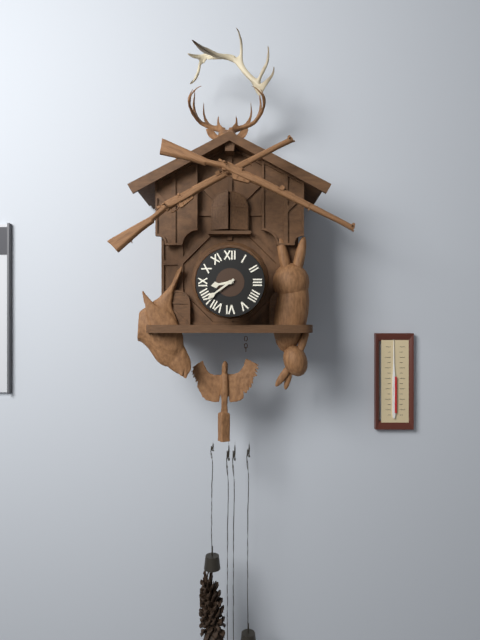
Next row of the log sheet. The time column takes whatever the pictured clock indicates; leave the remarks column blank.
8:39
